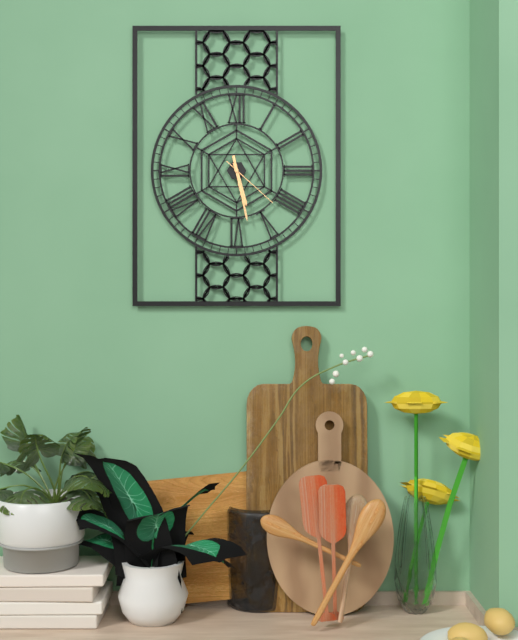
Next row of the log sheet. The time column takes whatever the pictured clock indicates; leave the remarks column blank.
5:28:22
